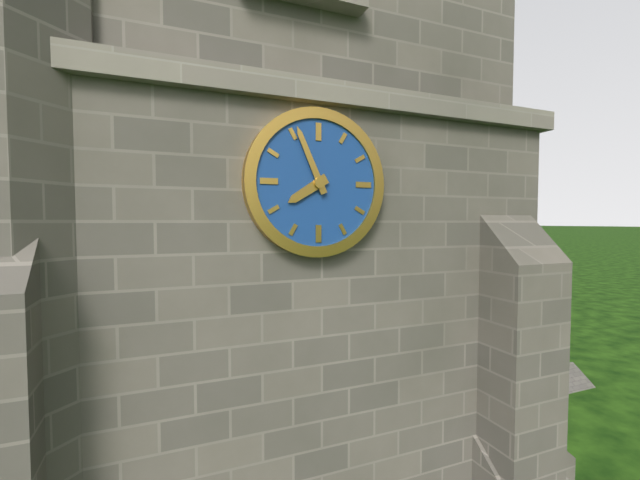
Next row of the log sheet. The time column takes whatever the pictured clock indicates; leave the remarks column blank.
7:56
